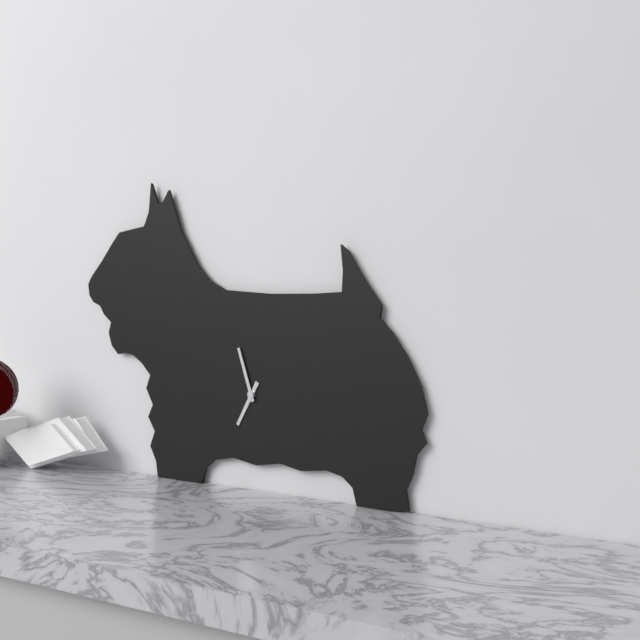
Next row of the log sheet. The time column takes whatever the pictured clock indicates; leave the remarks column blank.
6:57
